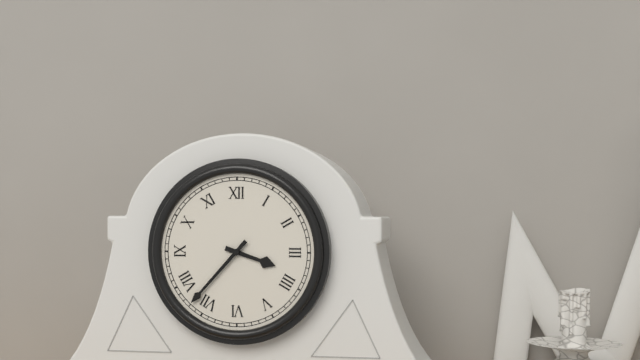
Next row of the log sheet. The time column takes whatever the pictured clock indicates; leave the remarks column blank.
3:37
